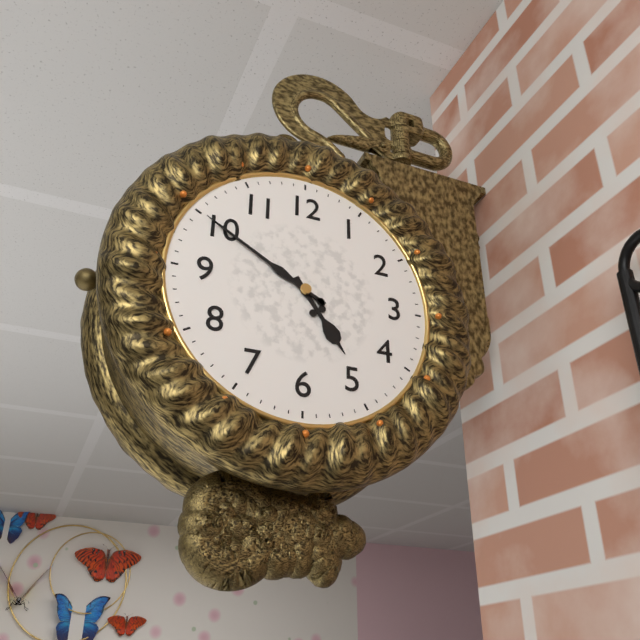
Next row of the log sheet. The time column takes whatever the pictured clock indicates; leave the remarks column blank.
4:50
